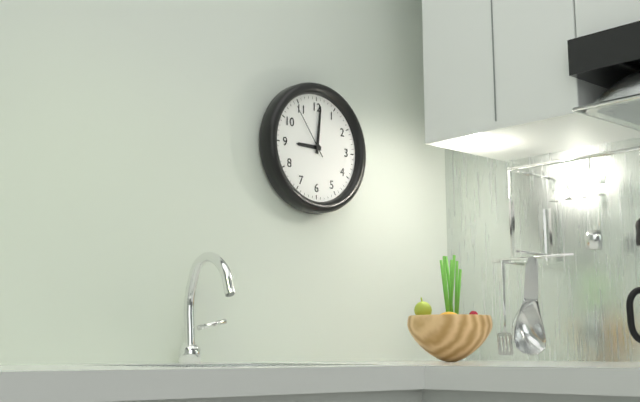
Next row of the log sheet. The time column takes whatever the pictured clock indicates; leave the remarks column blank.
9:01:54
